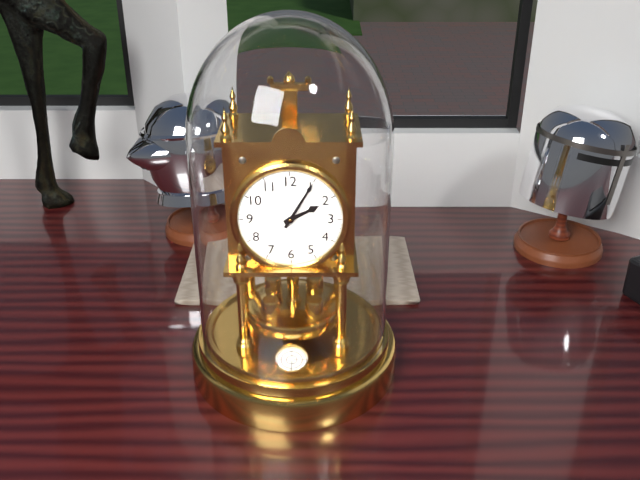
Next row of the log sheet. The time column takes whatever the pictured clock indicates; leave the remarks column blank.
2:05
